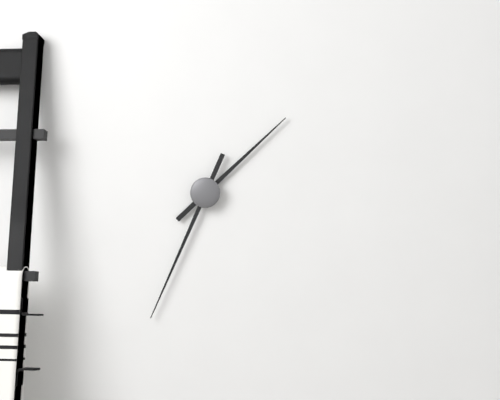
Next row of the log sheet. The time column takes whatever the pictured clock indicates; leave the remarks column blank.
1:34
